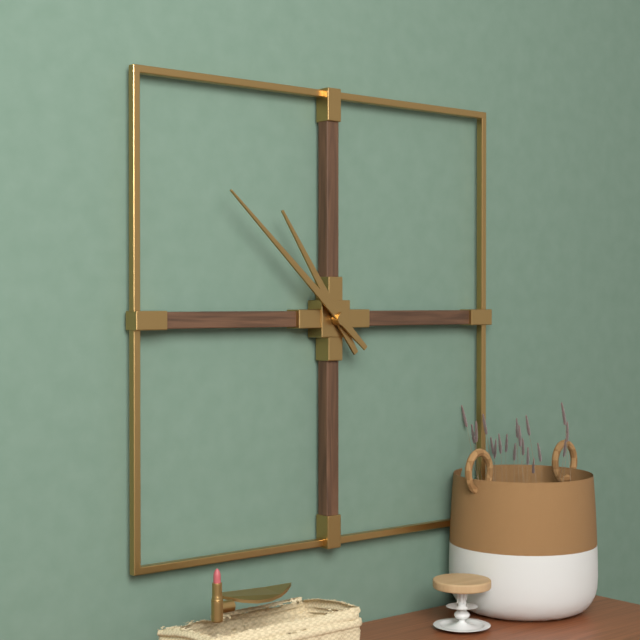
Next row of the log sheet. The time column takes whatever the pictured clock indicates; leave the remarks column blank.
10:52
